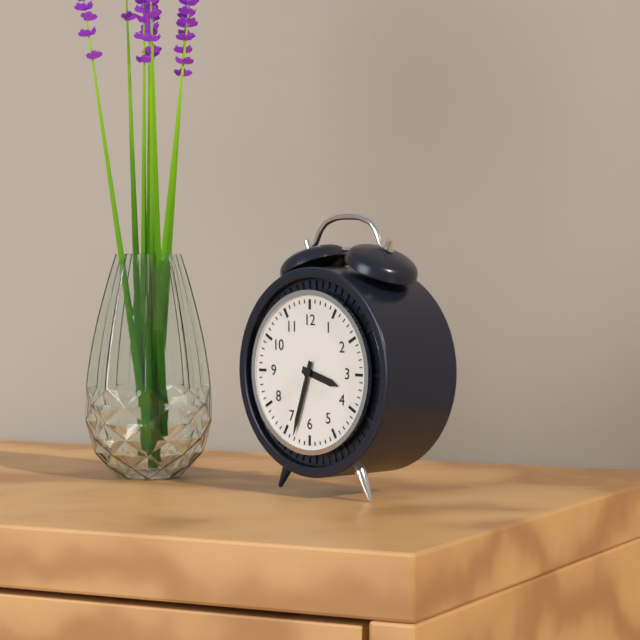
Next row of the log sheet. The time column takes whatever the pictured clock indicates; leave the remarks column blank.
3:33
